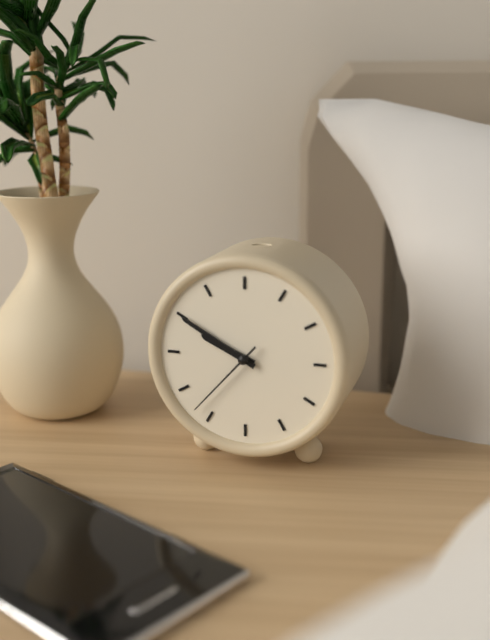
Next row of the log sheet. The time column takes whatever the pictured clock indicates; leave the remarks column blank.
9:50:37
